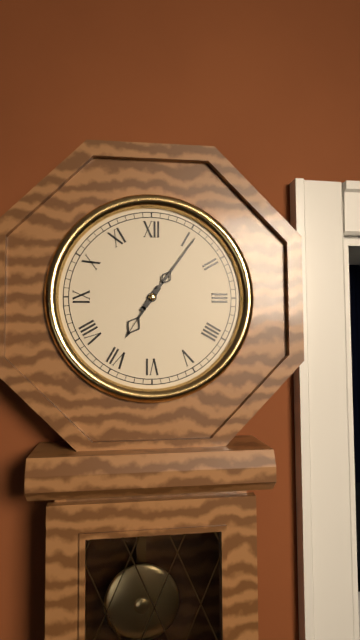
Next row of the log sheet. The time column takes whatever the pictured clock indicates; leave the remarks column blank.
7:06
